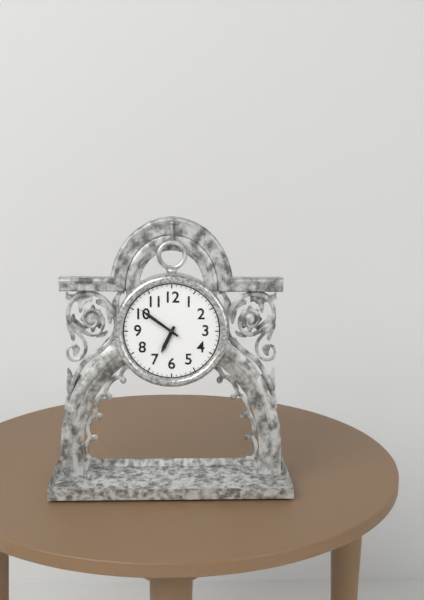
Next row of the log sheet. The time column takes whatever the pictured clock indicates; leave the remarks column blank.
6:51
